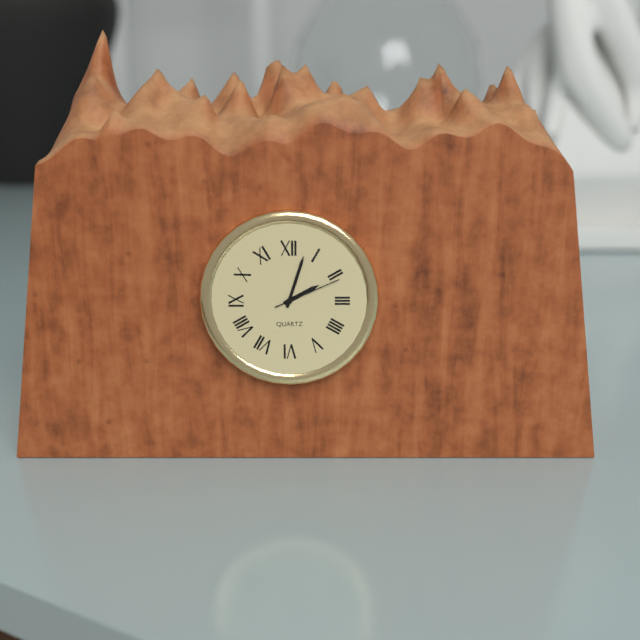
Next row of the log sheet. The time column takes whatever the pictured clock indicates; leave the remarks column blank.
2:03:11
